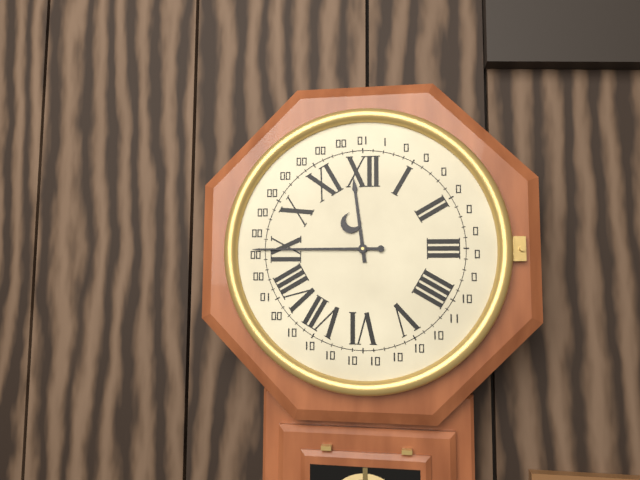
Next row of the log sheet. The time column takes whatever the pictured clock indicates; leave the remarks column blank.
11:45
